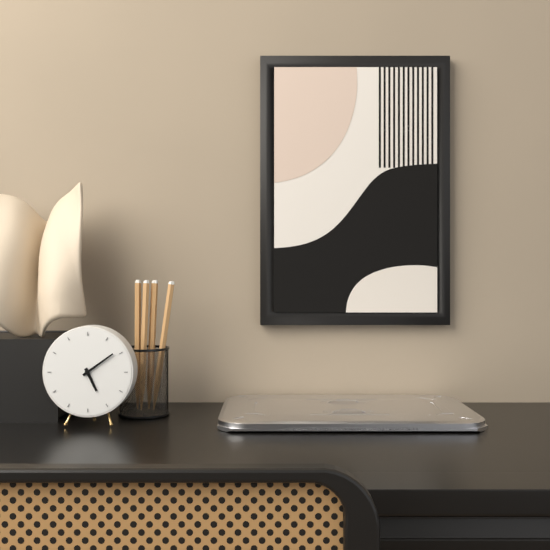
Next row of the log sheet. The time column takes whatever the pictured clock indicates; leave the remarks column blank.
5:09
